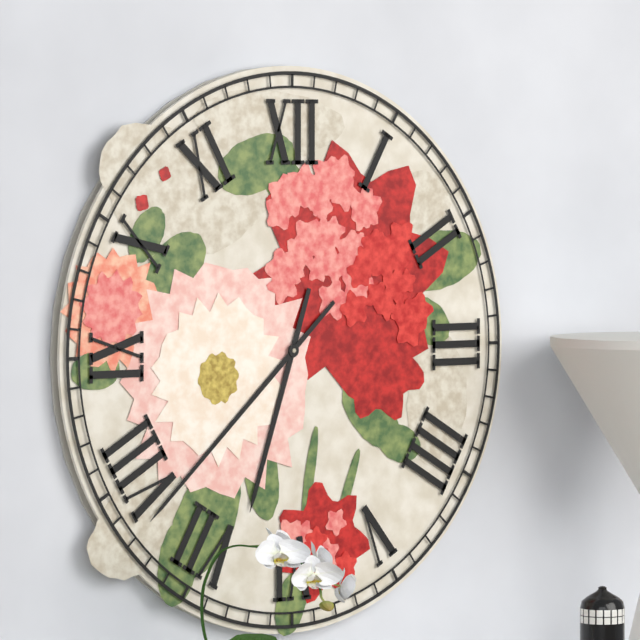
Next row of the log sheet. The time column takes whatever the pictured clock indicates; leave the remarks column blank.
6:38
